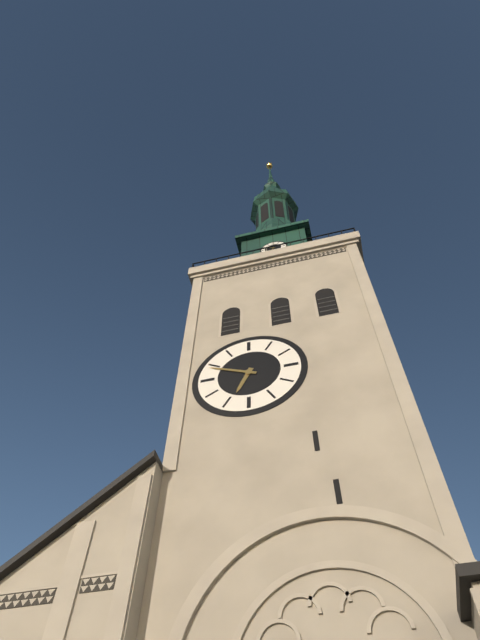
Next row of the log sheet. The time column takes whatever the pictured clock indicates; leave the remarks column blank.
6:49
